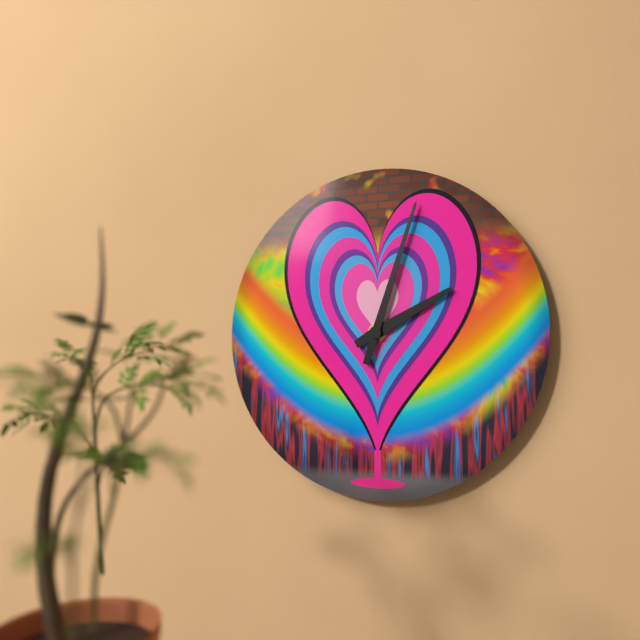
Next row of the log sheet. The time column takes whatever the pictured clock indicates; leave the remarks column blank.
2:03
